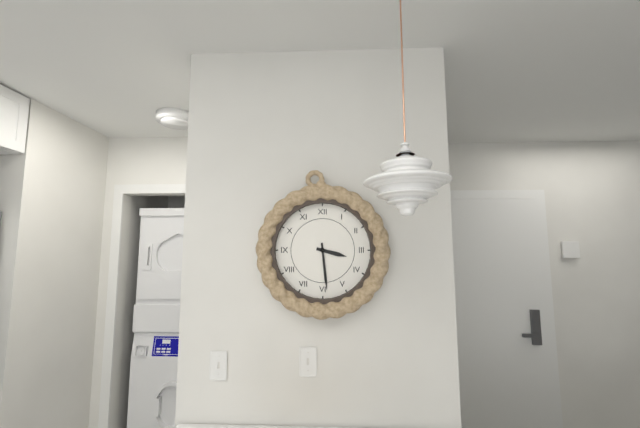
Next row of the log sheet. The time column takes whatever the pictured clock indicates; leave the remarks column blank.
3:29
